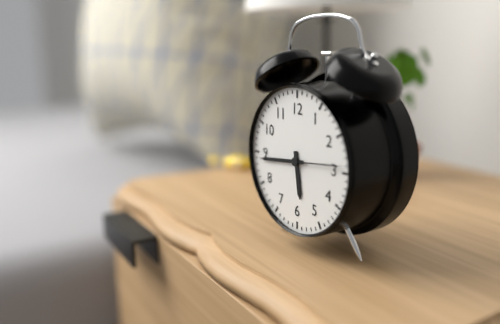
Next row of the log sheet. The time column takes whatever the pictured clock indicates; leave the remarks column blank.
5:44:14
